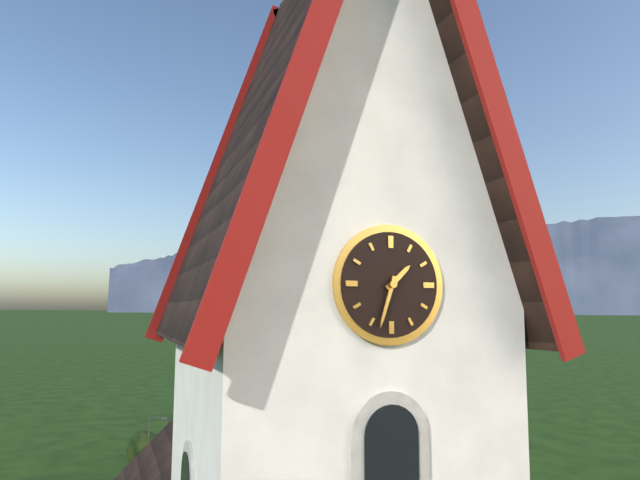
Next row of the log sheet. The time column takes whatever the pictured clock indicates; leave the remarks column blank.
1:33
